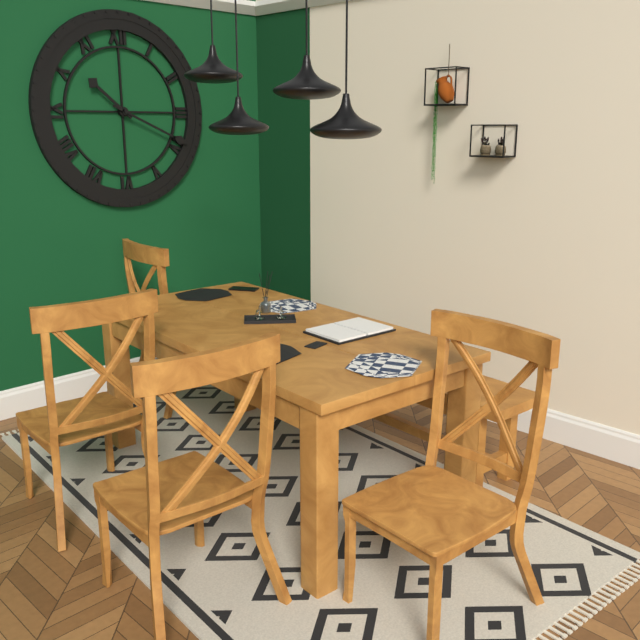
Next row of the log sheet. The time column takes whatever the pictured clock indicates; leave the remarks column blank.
10:19
